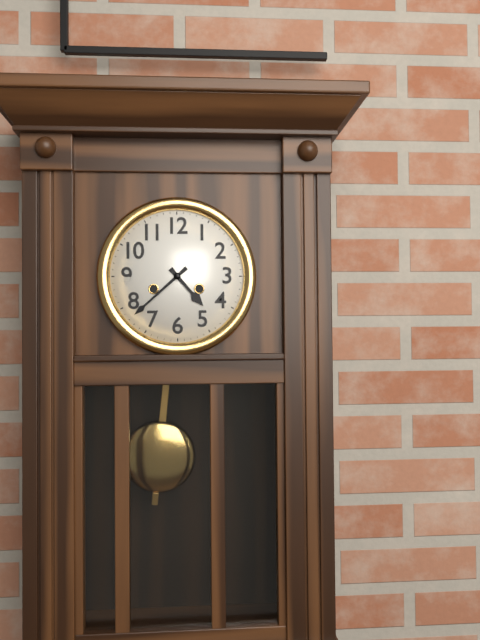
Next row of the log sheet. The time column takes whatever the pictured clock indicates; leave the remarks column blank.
4:38
